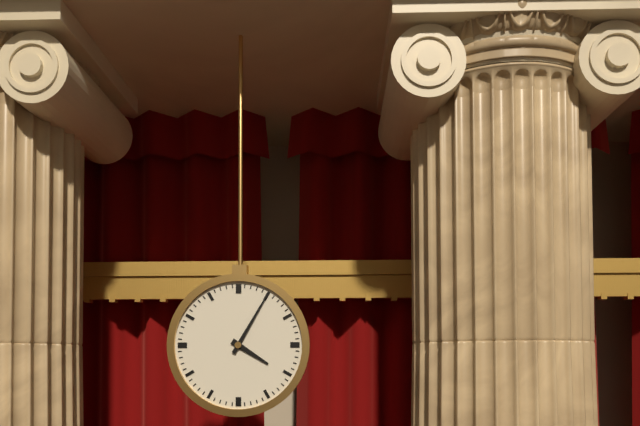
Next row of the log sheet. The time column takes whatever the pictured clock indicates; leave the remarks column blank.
4:05
